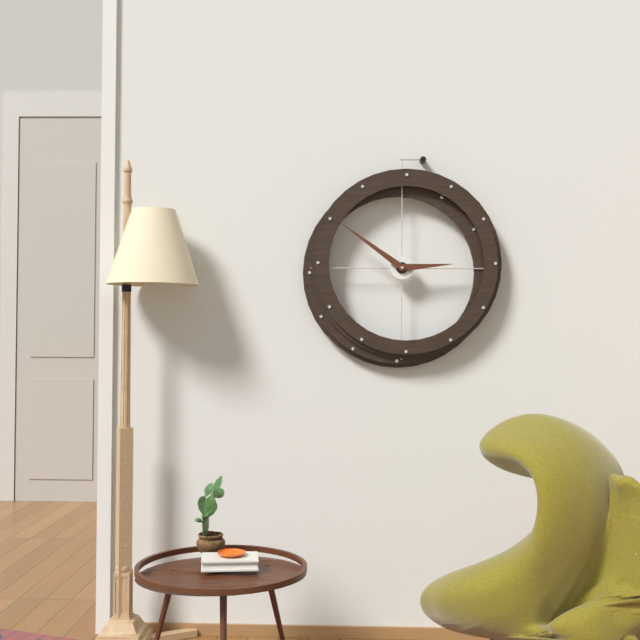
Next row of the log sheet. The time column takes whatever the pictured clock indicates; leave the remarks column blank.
2:51
